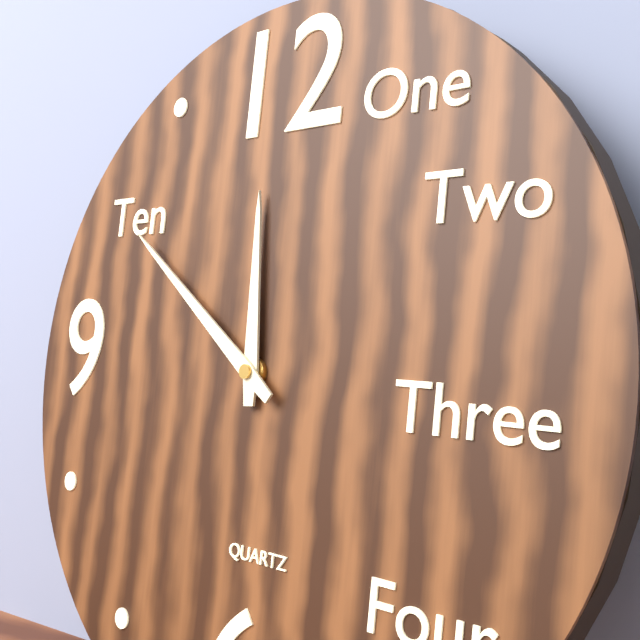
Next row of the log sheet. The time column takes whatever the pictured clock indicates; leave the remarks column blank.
11:51
